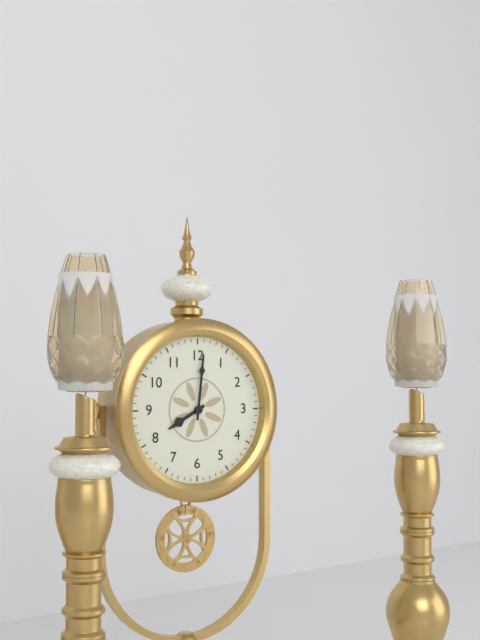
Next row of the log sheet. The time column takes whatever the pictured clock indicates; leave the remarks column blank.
8:01
